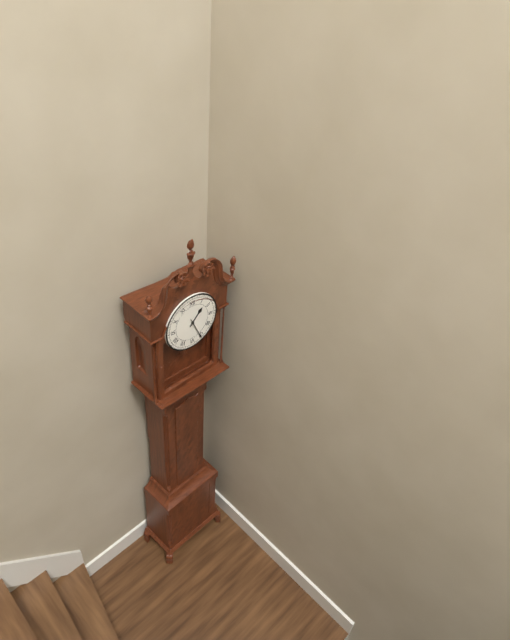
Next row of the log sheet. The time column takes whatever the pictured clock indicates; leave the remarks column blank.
1:26
